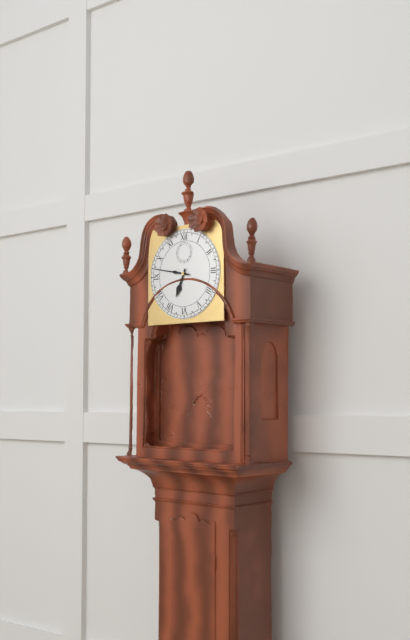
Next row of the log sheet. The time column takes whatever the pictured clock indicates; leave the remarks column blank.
6:47
